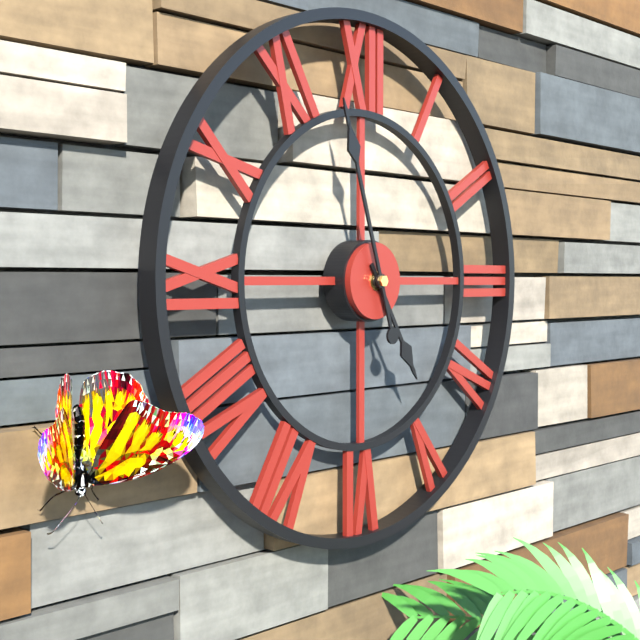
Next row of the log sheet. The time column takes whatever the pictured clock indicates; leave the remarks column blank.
4:57
